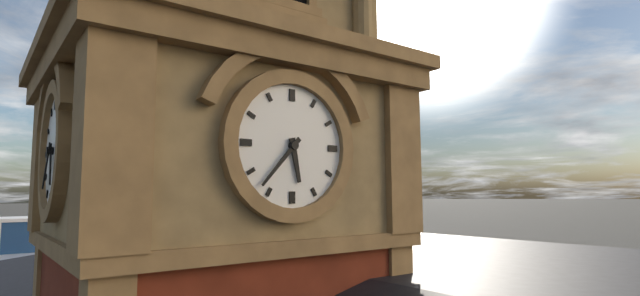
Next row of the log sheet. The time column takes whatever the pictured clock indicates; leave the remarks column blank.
5:37
